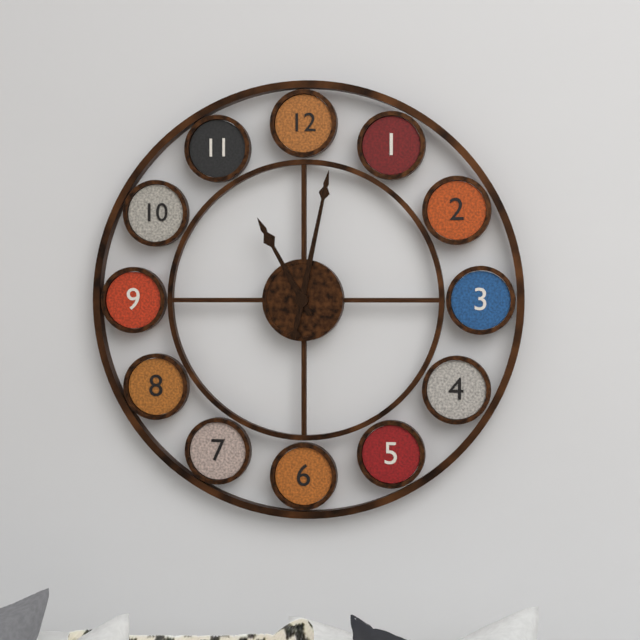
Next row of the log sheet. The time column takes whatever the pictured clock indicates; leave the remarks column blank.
11:02
